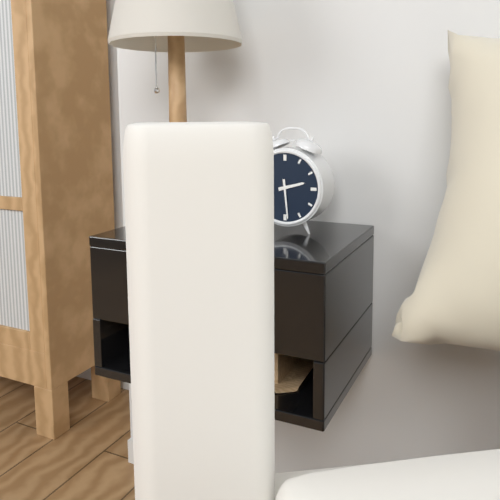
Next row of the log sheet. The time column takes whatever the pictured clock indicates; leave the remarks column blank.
2:29
